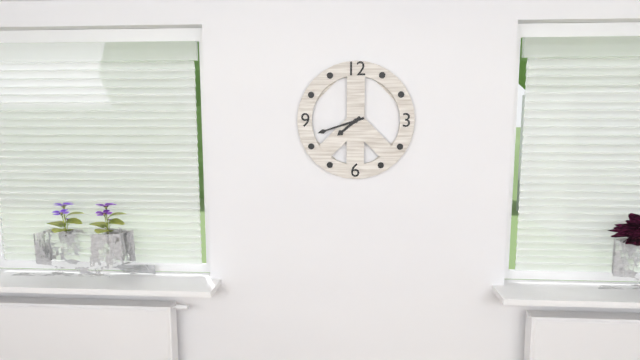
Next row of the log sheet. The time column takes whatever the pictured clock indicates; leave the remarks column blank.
7:42
